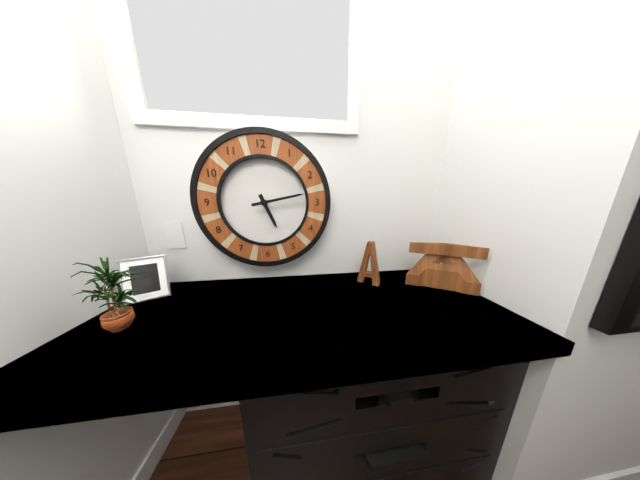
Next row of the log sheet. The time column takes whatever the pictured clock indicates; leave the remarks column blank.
5:13
